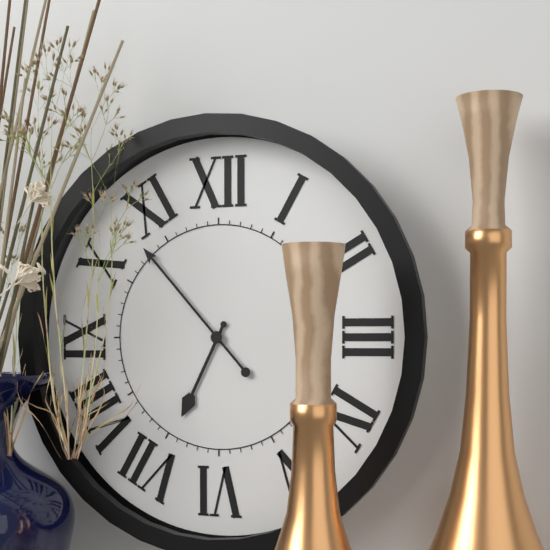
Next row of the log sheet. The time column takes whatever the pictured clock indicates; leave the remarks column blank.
6:53
